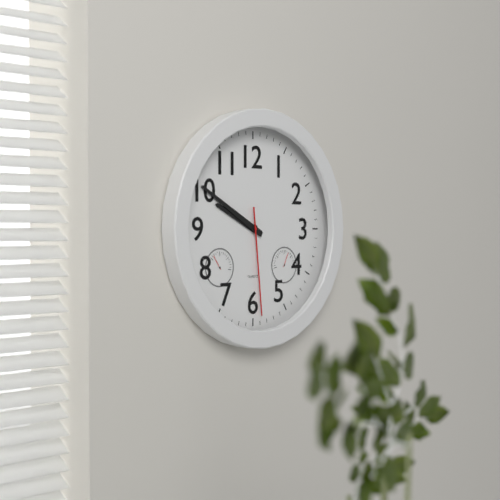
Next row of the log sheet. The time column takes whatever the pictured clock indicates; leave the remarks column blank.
9:50:29
